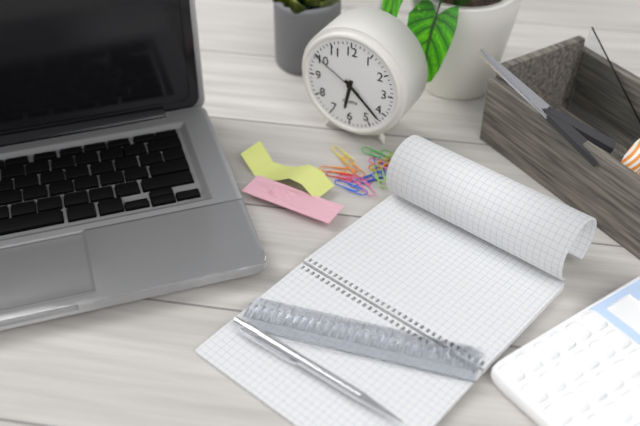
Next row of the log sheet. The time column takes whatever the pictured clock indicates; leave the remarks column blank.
6:22:50
